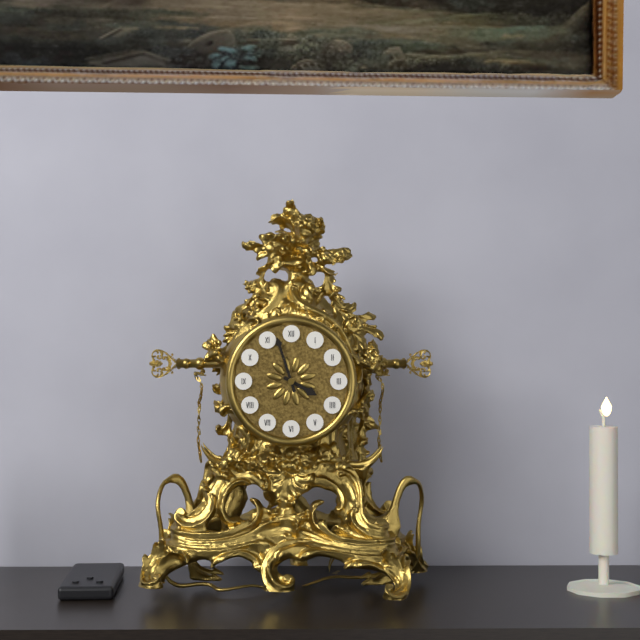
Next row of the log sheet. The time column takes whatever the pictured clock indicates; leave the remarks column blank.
3:57
